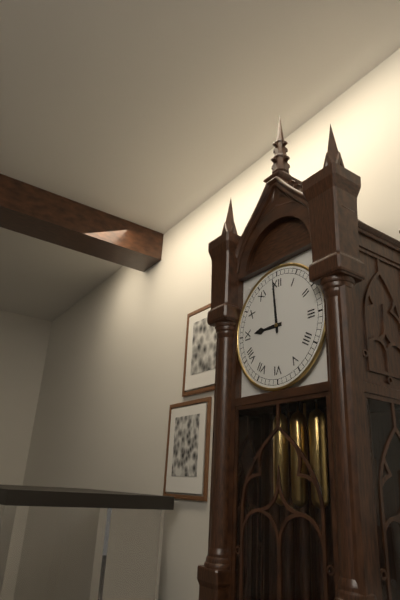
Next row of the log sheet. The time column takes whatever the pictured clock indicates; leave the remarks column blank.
8:59
